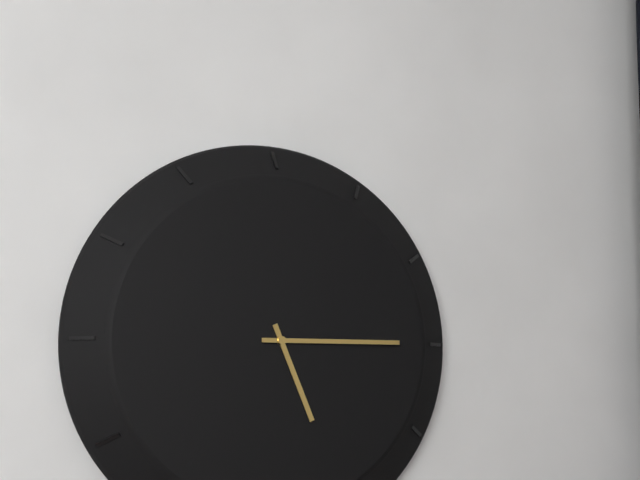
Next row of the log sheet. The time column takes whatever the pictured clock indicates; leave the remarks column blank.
5:15
